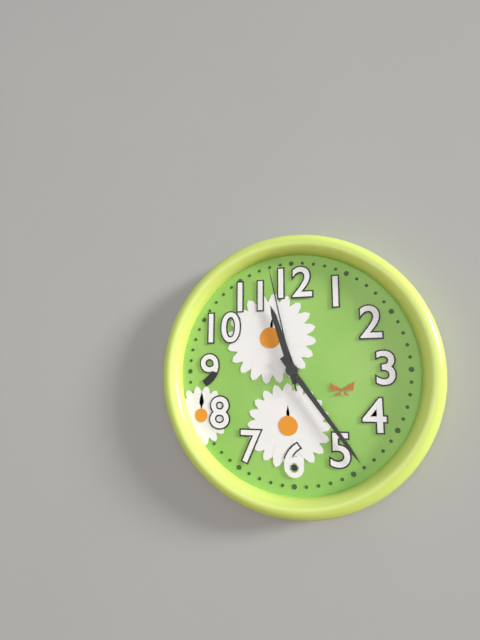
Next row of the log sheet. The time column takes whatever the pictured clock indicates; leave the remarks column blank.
11:24:58
